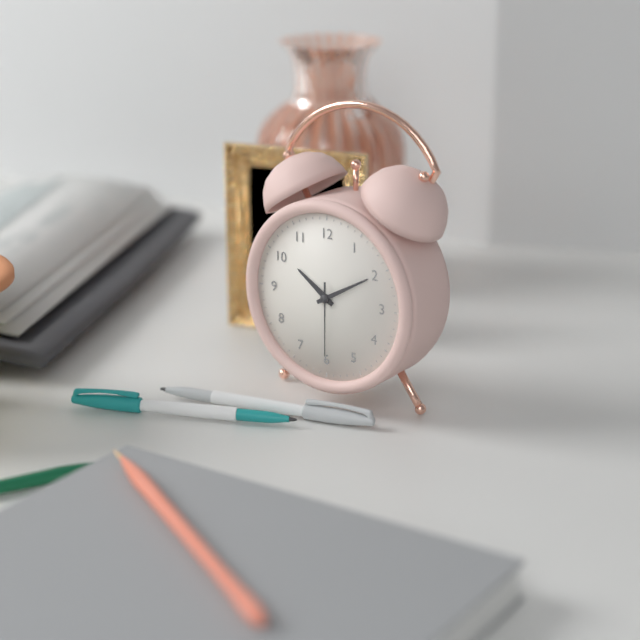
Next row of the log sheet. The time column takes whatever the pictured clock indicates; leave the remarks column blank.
10:10:30
